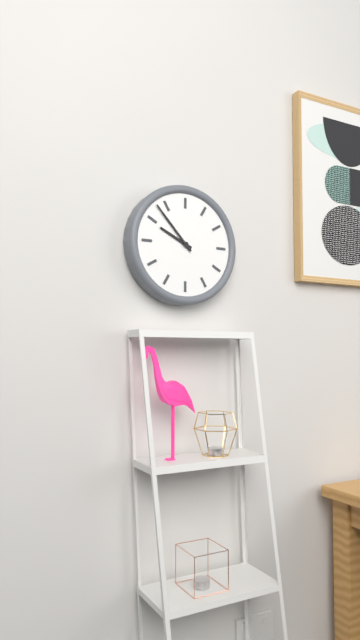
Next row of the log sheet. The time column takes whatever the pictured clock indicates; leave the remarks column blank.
9:53
